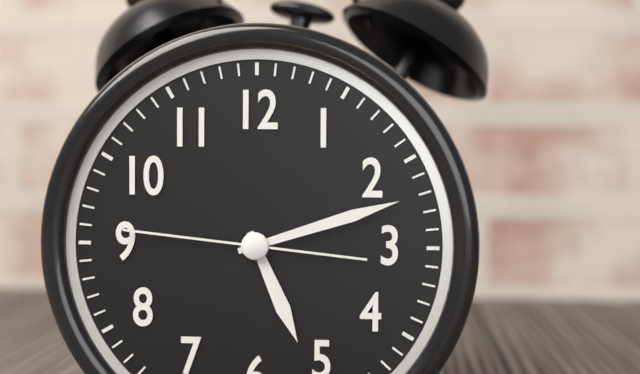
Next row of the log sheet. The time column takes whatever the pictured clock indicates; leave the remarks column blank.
5:12:46
